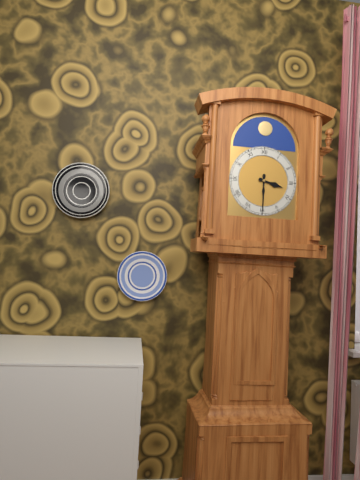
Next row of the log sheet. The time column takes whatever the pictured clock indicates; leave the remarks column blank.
3:30
